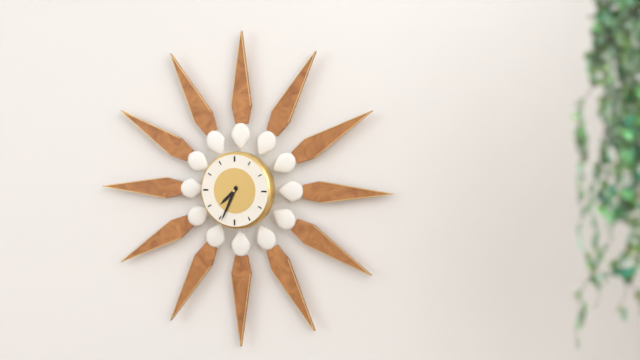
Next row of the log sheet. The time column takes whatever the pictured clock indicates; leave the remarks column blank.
7:34
